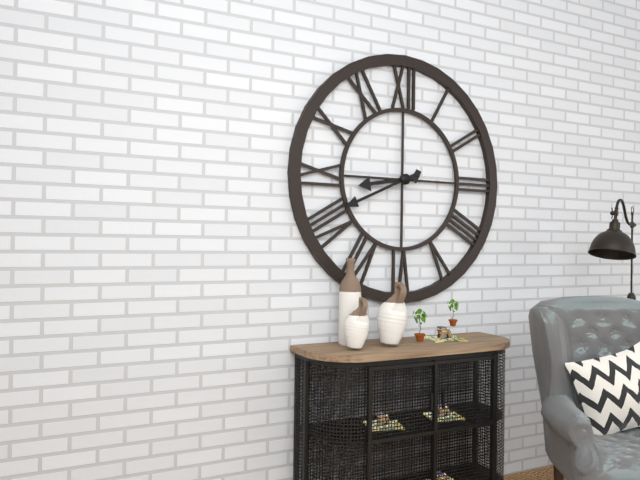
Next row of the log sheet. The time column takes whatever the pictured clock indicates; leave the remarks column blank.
8:41
